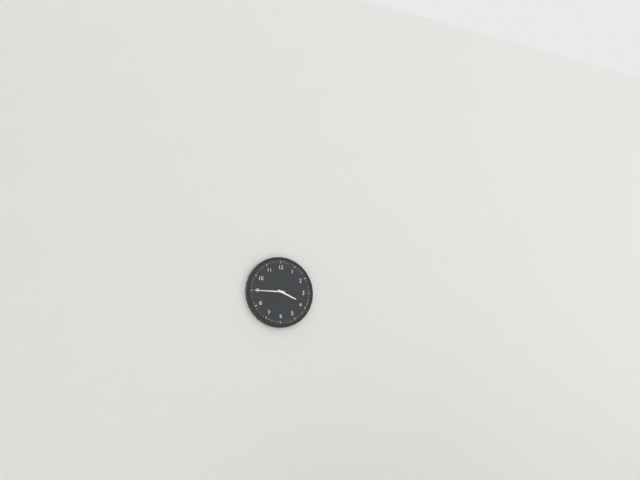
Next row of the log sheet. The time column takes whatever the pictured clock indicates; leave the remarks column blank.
3:45
